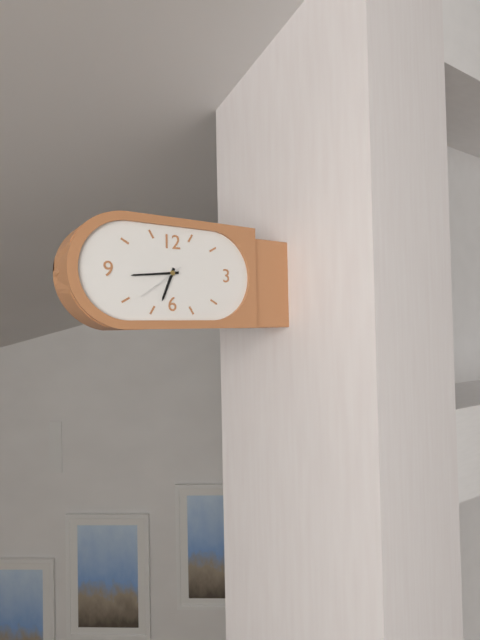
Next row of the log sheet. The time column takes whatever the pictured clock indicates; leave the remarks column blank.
6:44
